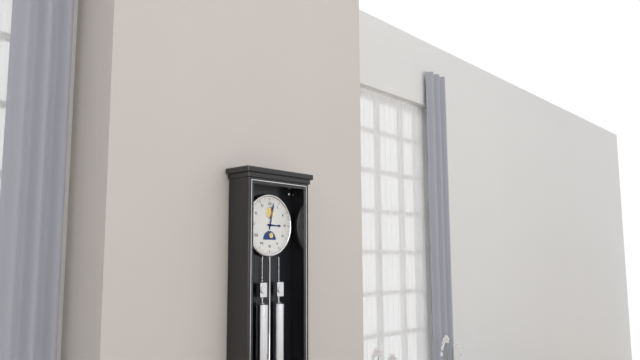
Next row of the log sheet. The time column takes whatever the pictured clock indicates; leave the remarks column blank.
3:02
